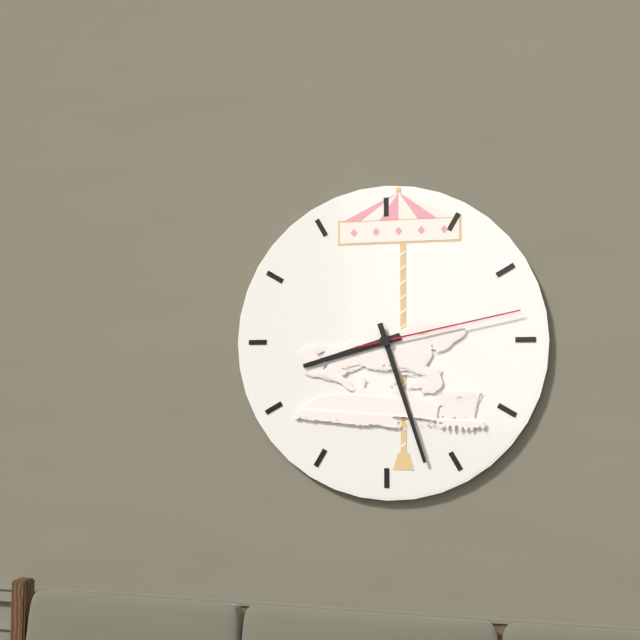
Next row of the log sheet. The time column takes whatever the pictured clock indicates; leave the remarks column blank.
8:27:13
